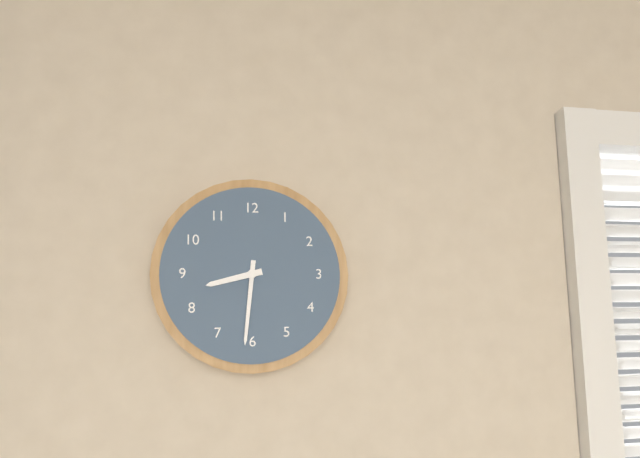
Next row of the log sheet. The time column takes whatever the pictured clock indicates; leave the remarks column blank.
8:31
